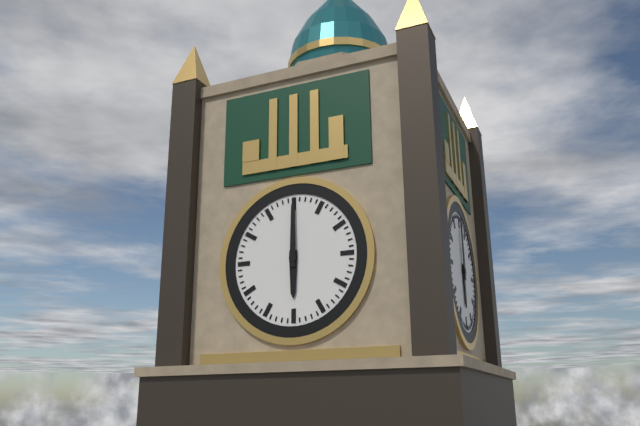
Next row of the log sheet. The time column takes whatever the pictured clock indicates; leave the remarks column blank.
6:00
